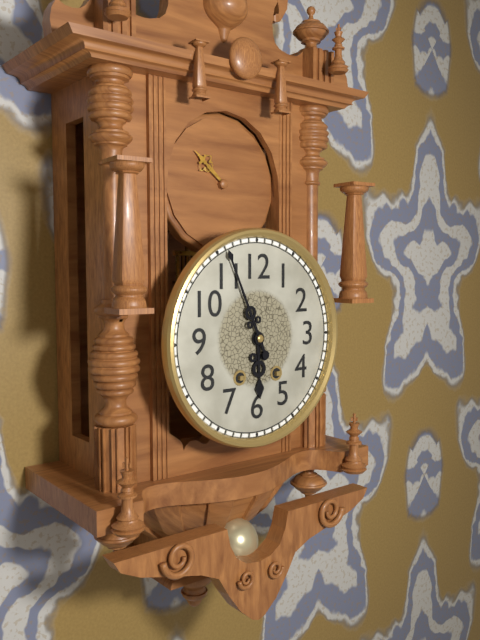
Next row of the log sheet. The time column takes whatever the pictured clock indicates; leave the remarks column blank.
5:56
